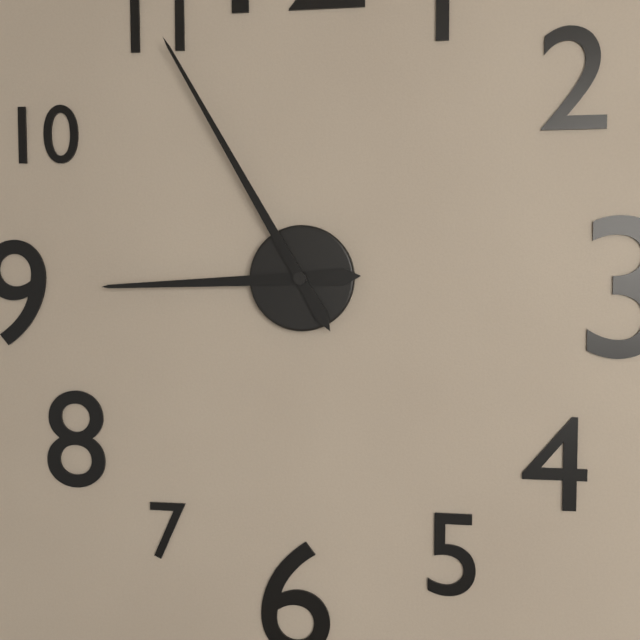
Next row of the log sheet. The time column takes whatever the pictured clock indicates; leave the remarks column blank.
8:55
